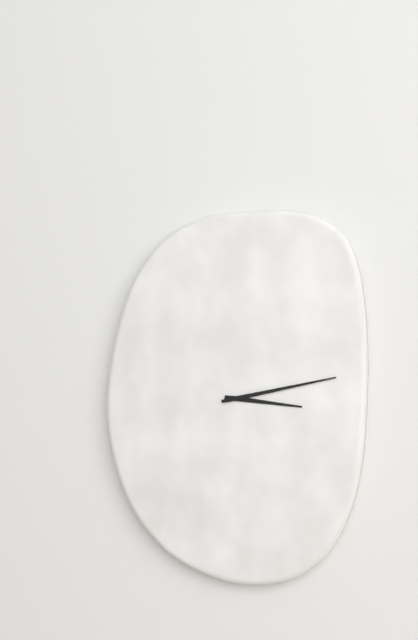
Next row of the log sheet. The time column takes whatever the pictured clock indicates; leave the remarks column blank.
3:13
